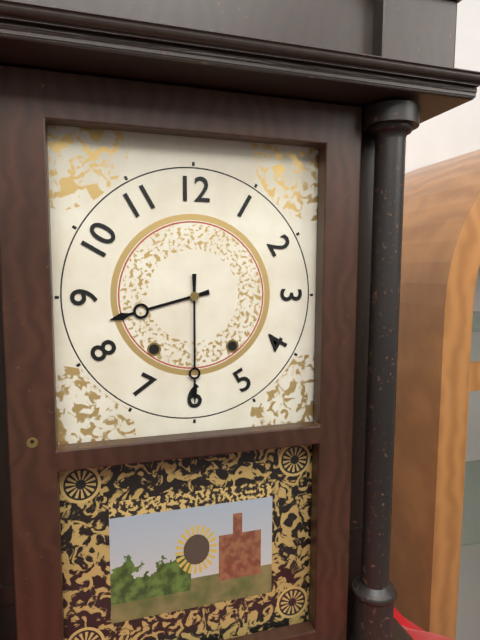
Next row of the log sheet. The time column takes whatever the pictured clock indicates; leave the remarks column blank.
8:30
